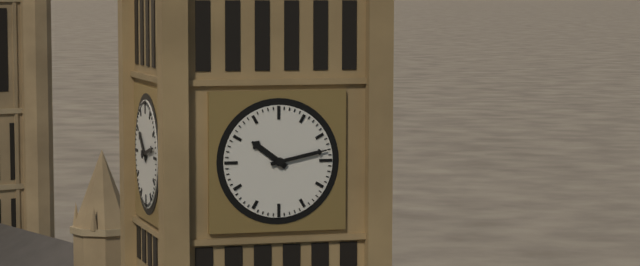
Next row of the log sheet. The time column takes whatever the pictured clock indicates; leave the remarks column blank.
10:13
